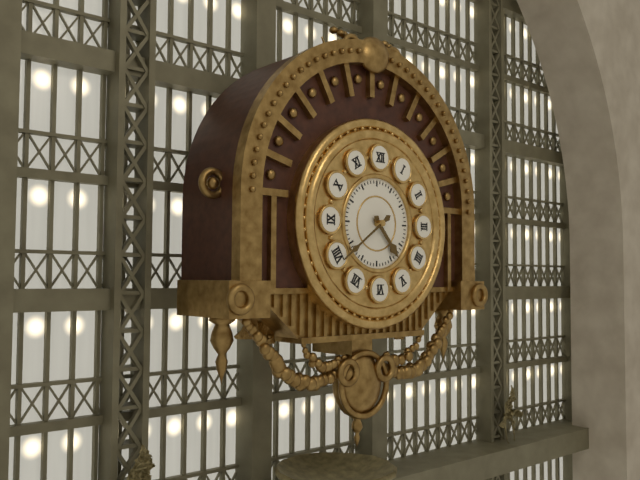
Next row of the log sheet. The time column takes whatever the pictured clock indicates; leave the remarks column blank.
4:39
